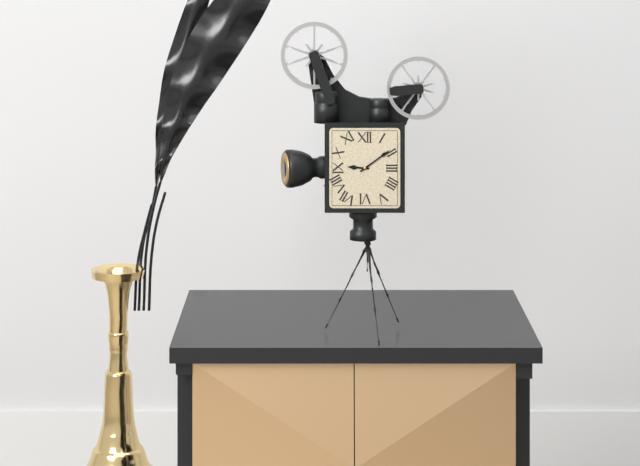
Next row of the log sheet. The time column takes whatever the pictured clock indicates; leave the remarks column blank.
9:09
